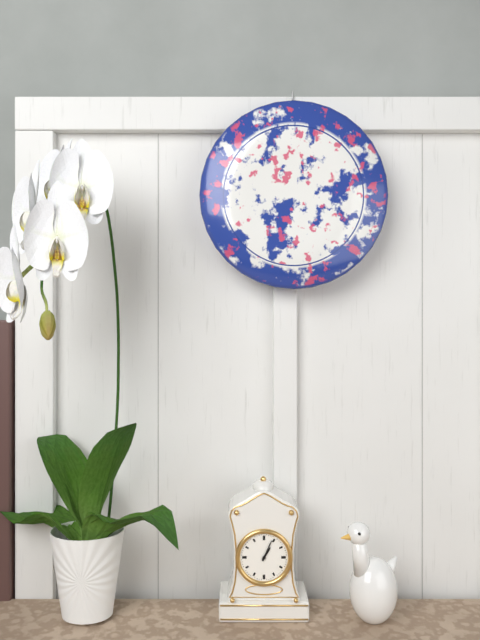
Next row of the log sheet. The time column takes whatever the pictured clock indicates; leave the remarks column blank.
1:04
